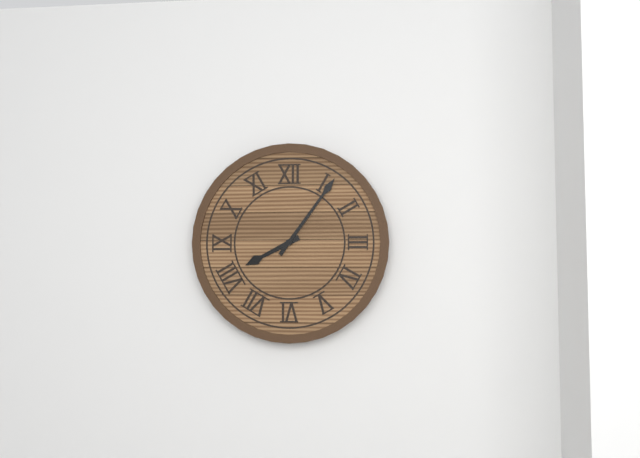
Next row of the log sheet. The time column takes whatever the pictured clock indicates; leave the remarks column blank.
8:06
